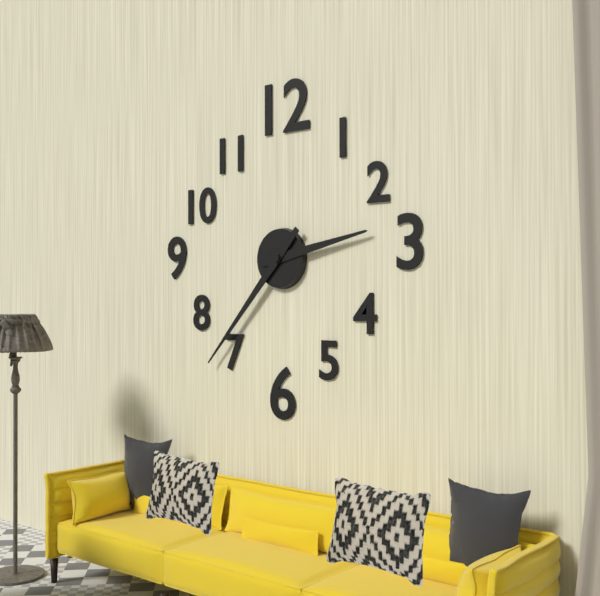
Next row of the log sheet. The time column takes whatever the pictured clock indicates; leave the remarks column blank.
2:37
